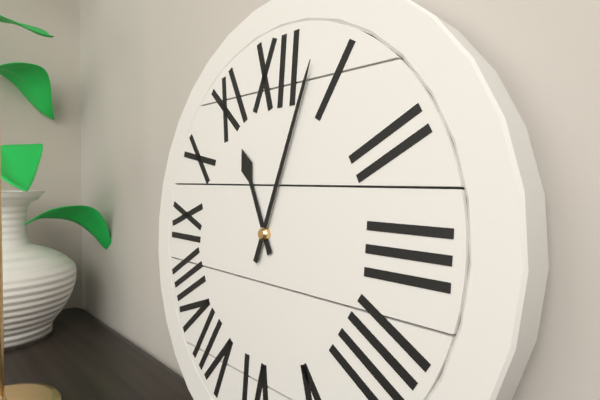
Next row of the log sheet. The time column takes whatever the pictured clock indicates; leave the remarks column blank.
11:03
